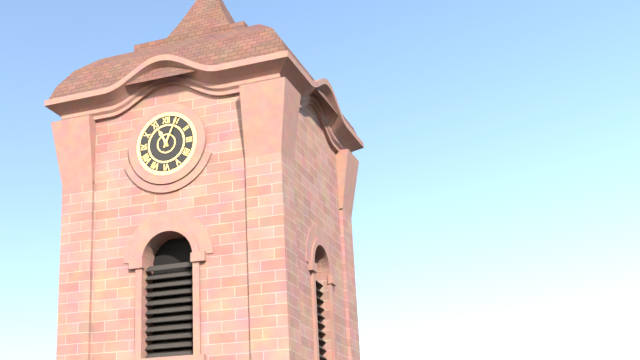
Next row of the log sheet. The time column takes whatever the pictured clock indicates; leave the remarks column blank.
11:04
